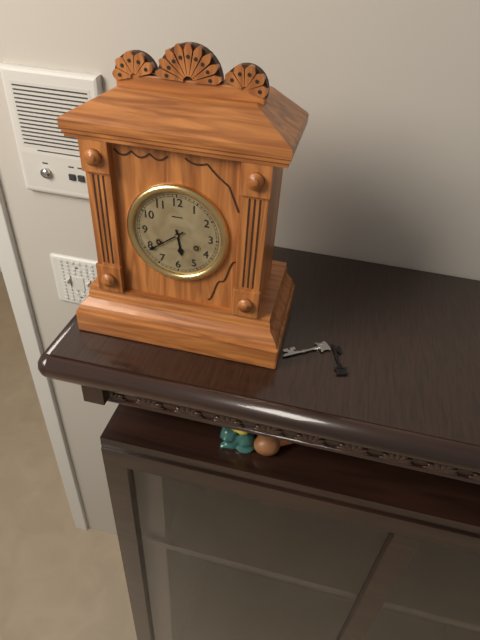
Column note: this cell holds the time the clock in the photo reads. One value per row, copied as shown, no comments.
5:39
